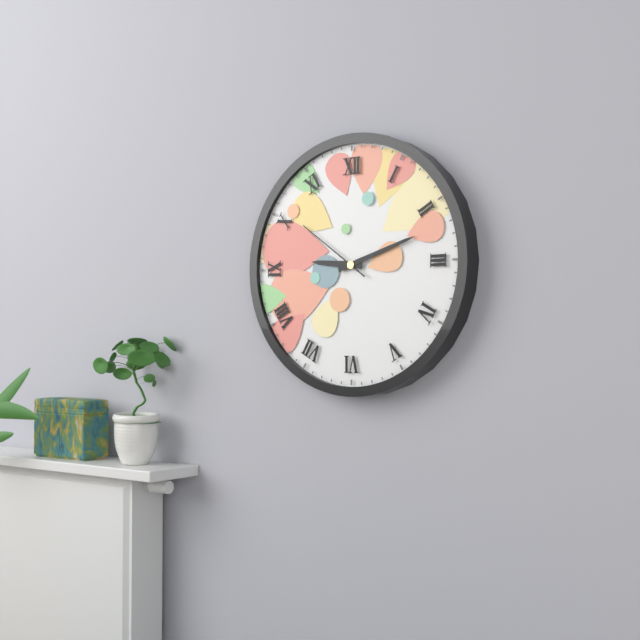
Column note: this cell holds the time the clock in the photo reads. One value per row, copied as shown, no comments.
9:12:51
